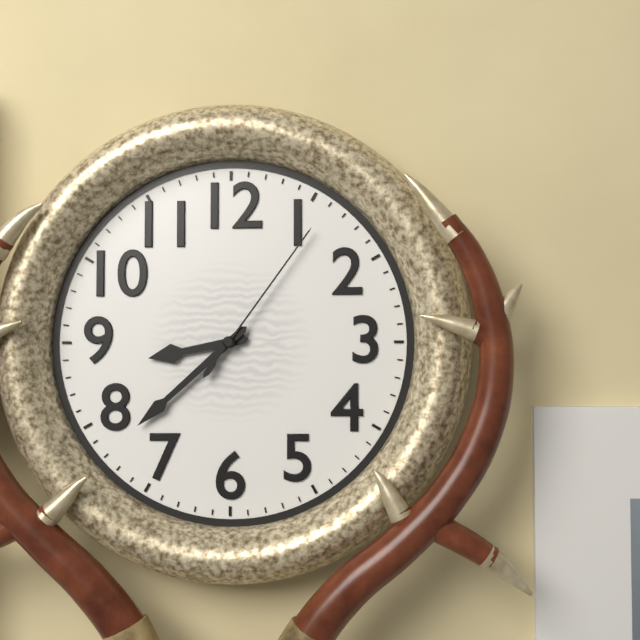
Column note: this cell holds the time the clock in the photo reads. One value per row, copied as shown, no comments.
8:38:06
